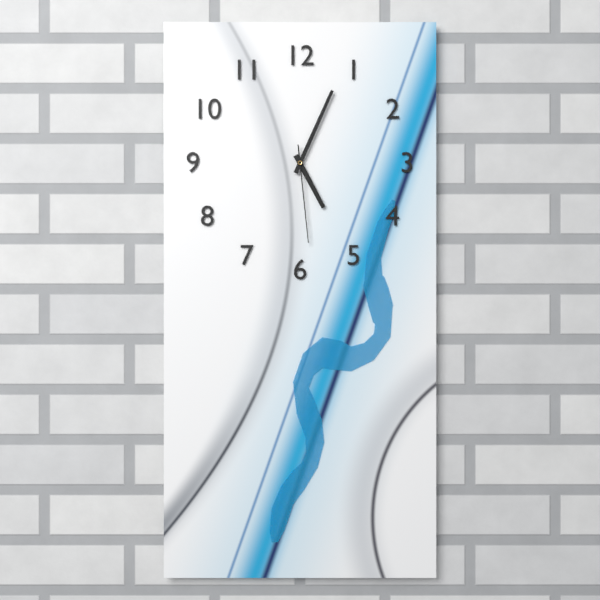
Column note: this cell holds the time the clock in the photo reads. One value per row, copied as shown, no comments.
5:04:29
